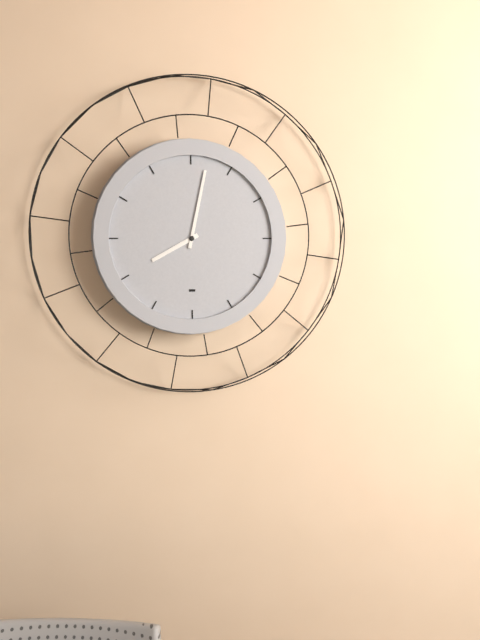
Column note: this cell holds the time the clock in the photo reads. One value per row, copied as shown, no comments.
8:02
